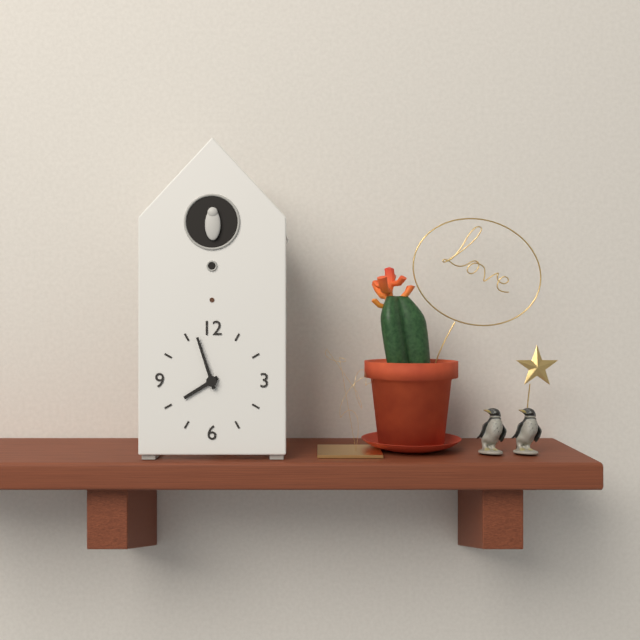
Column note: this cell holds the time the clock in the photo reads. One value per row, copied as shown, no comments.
7:57
